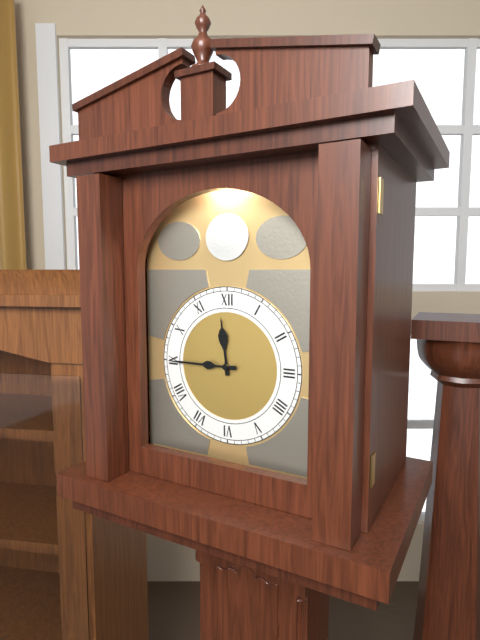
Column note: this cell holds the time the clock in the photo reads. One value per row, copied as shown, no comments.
11:45
